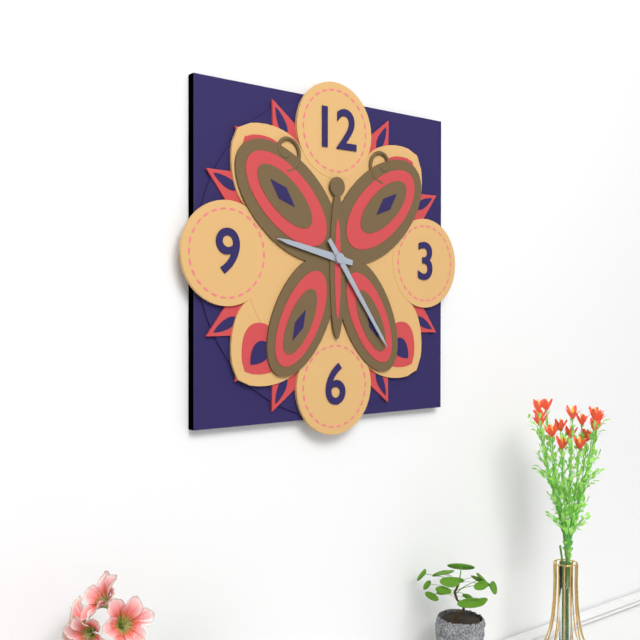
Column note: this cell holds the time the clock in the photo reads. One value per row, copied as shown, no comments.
9:24
